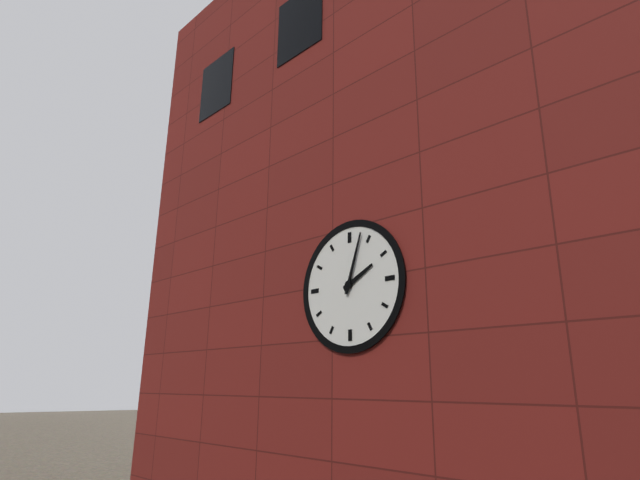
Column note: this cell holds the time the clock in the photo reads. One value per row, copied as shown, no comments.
2:03
